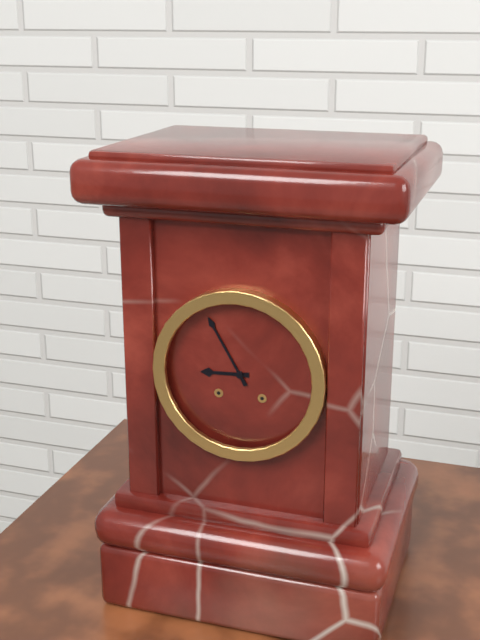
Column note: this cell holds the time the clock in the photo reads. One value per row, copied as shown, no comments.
8:55
